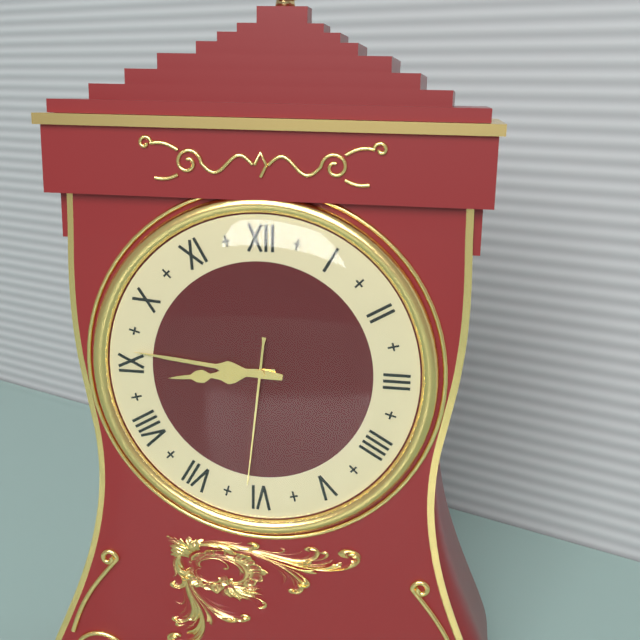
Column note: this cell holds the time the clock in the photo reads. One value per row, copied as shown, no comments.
8:46:31
